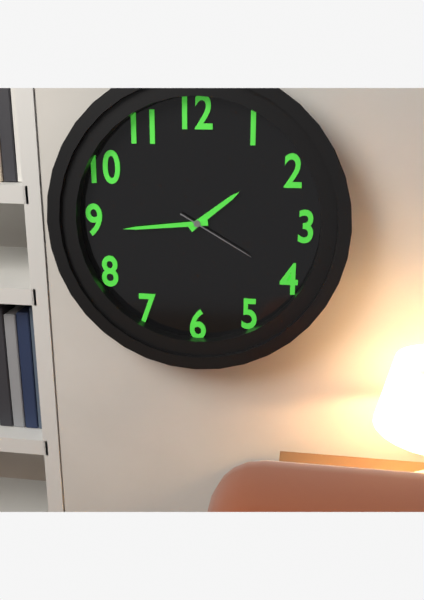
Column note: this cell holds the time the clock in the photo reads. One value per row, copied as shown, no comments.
1:44:20
